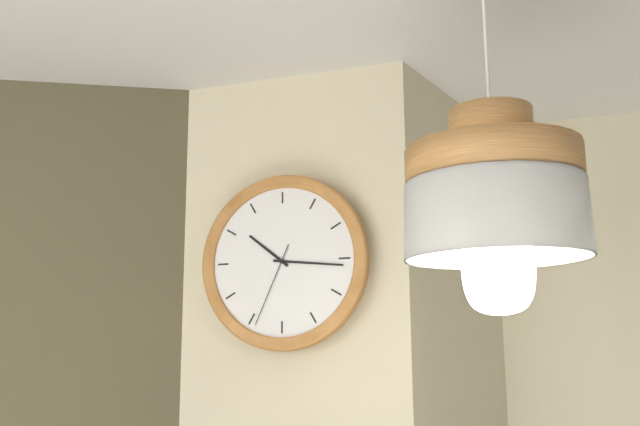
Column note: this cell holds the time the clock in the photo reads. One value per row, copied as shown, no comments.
10:16:34
